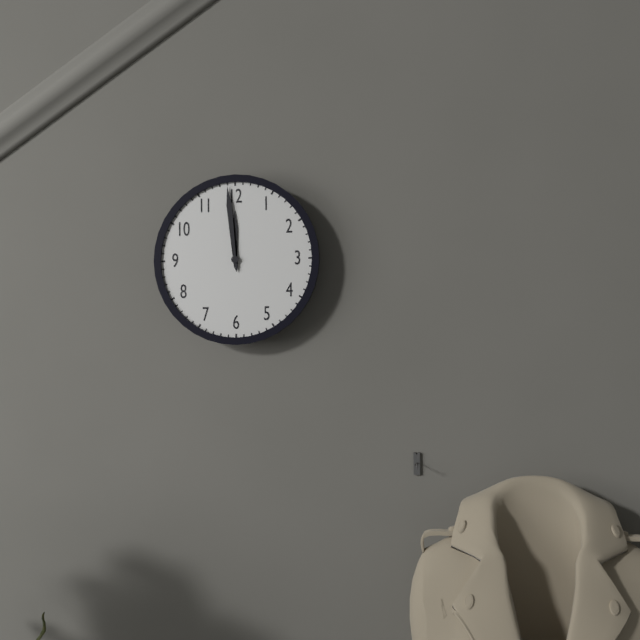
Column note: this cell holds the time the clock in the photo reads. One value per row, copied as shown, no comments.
11:59
